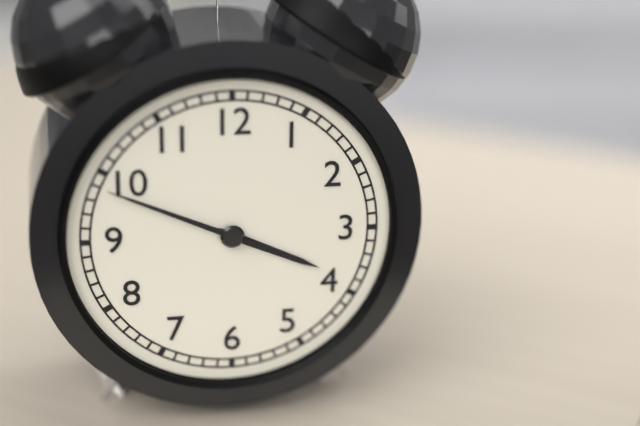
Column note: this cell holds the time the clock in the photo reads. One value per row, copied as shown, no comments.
3:49
